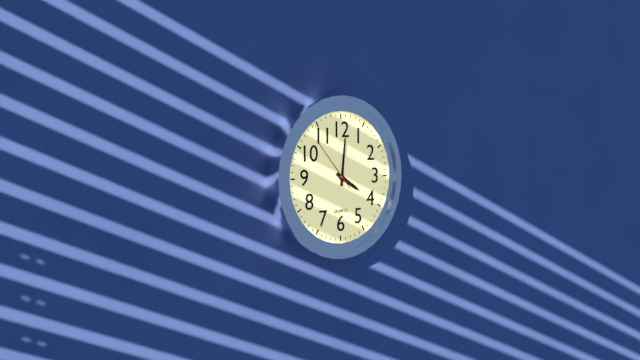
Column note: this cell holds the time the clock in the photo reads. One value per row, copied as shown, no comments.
4:01
